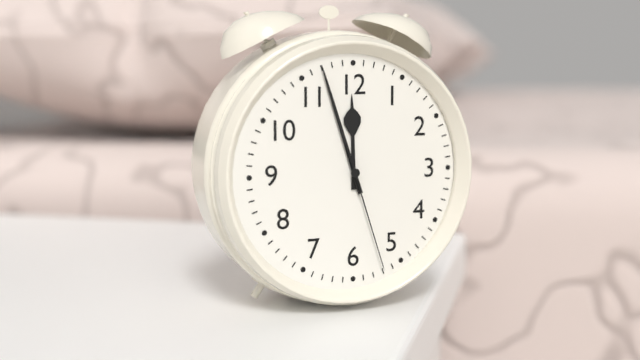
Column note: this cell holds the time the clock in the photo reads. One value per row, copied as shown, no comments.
11:57:27
